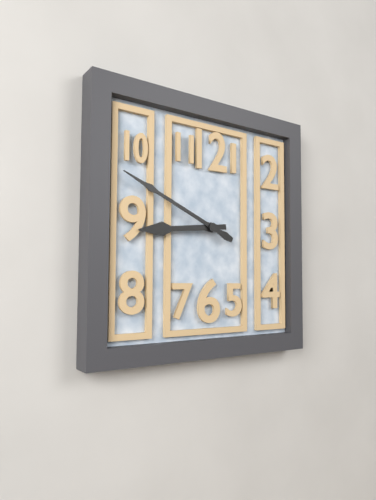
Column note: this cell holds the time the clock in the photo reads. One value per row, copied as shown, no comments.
8:49
